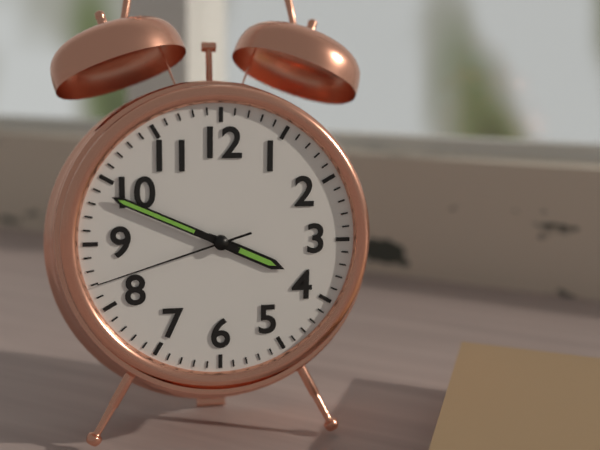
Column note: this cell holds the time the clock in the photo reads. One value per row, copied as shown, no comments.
3:49:42
